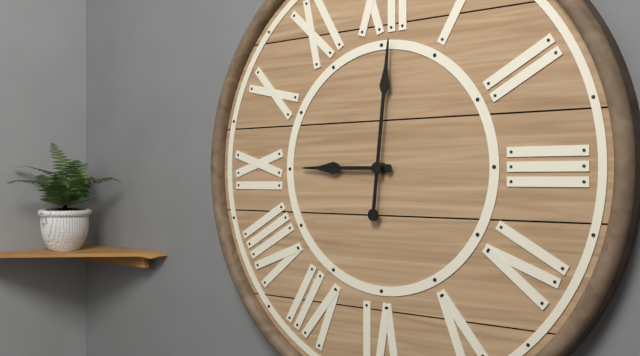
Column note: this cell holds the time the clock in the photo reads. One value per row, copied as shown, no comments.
9:01
